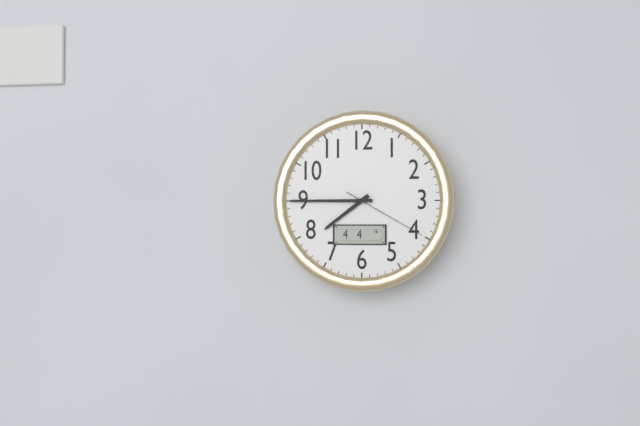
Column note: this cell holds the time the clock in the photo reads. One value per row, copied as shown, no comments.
7:45:20
